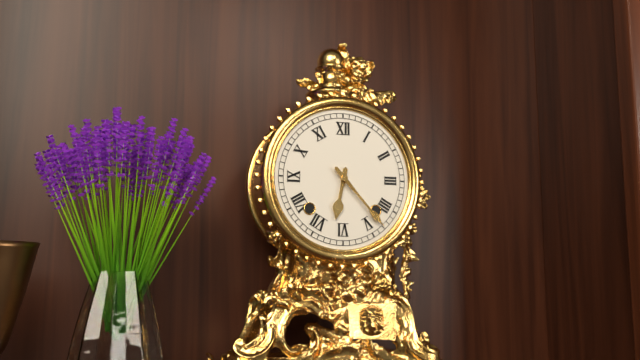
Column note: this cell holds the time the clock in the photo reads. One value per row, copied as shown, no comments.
6:23
